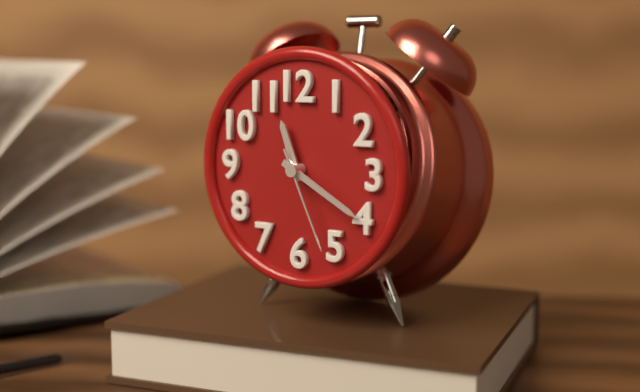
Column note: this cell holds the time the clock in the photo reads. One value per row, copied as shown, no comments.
11:20:26
